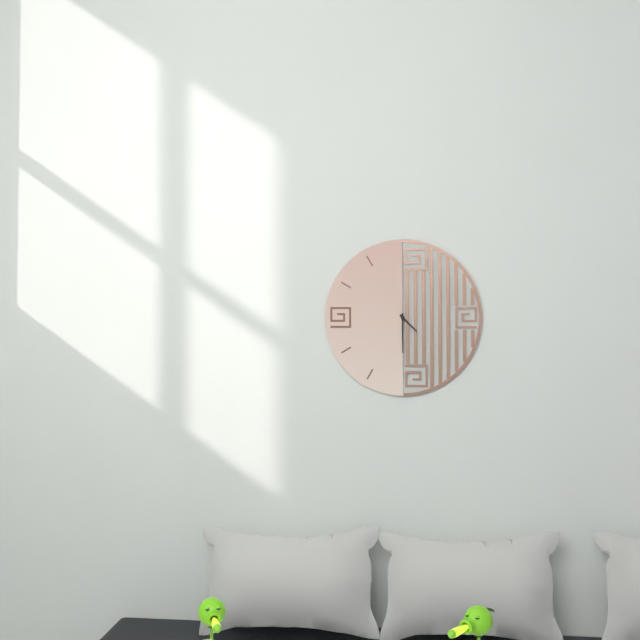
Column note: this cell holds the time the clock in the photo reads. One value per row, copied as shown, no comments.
4:30
